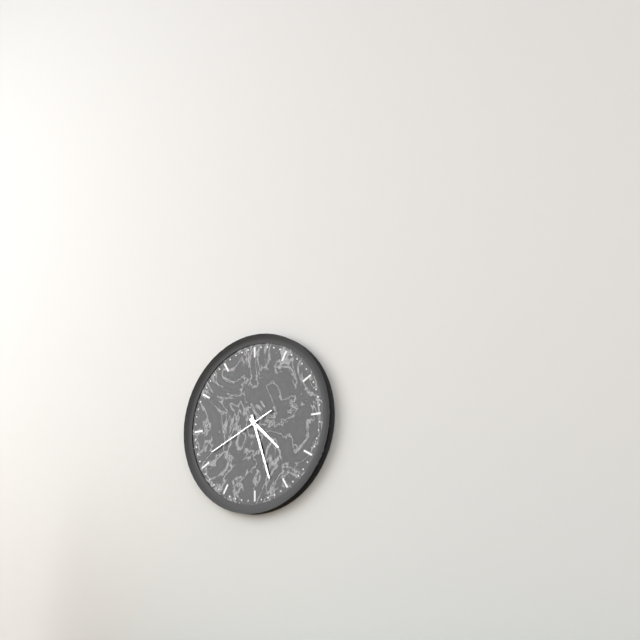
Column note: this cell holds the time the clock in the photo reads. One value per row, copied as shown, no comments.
4:27:41
